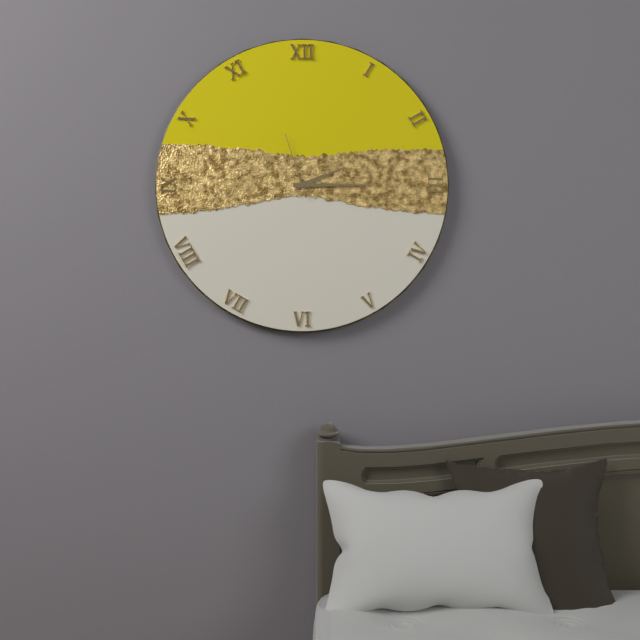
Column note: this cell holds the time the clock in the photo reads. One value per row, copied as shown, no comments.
2:15:57
